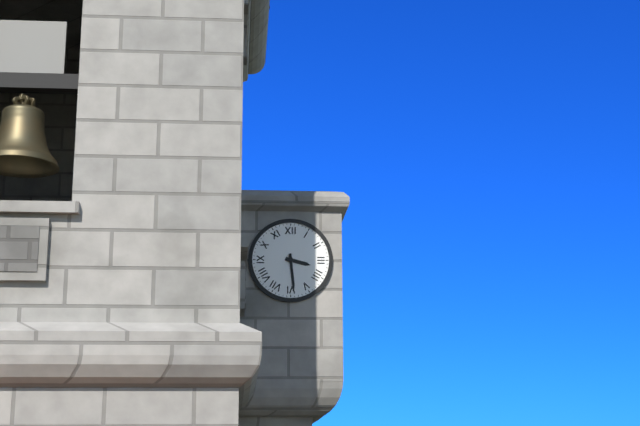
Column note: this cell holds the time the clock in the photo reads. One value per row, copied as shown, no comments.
3:29
